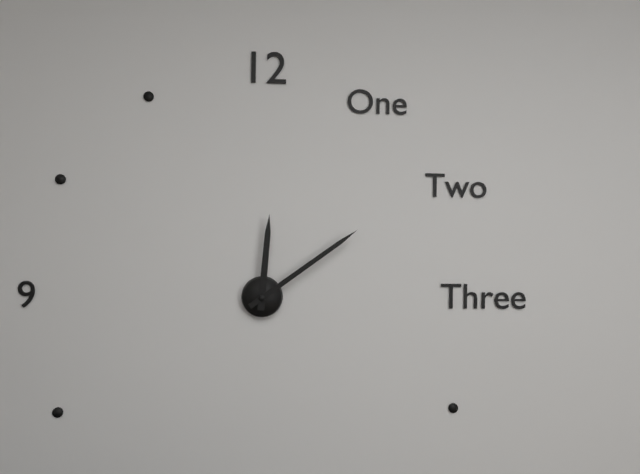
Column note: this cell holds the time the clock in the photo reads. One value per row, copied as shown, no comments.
12:09
